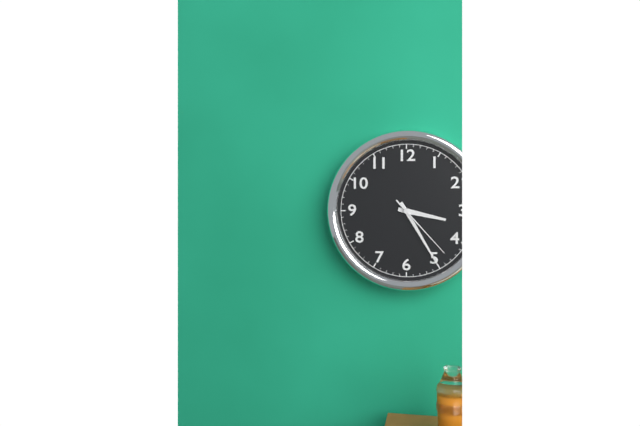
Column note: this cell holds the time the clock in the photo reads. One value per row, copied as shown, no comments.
3:25:23
